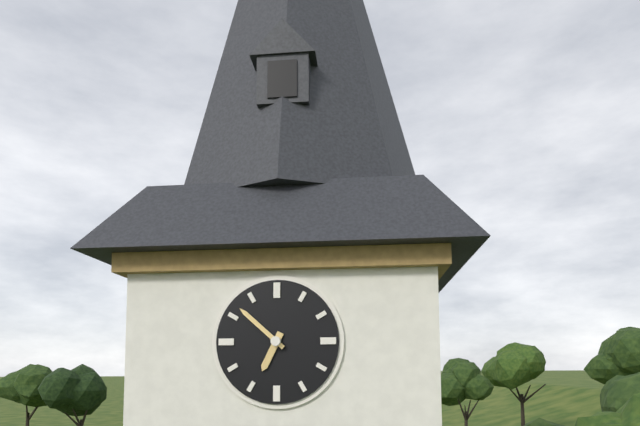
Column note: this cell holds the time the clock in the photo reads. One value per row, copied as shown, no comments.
6:52
